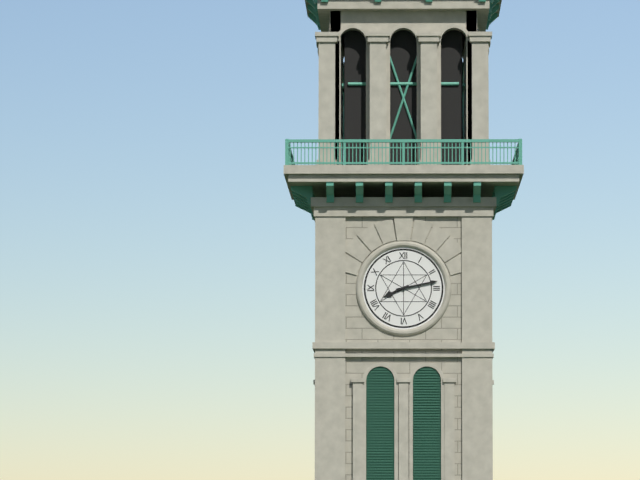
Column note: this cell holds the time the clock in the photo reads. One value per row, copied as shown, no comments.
8:13
